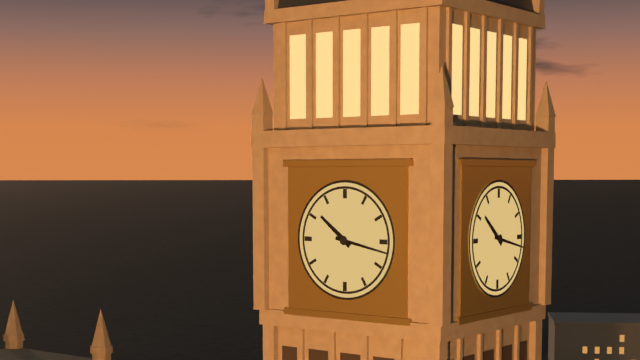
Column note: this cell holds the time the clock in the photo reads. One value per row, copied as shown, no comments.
10:17
